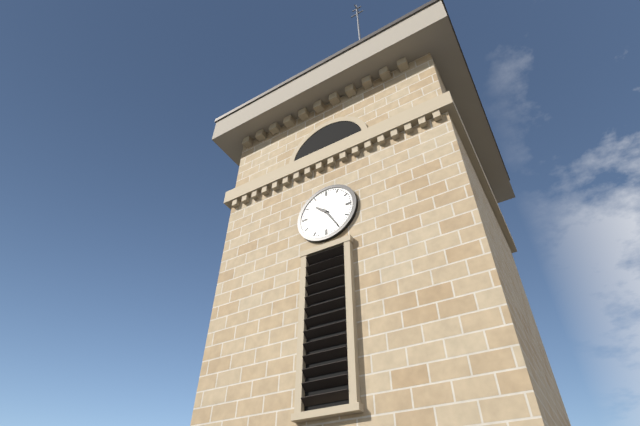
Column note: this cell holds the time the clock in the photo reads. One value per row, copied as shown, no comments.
10:25
